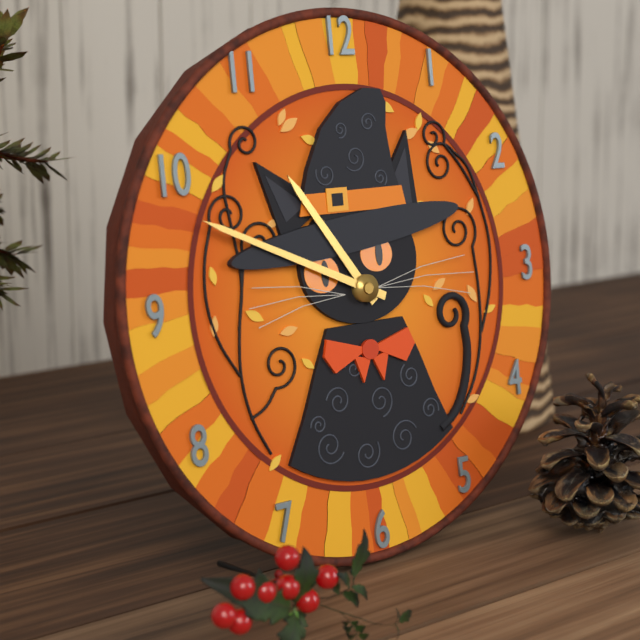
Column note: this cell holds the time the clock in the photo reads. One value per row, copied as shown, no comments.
10:49
